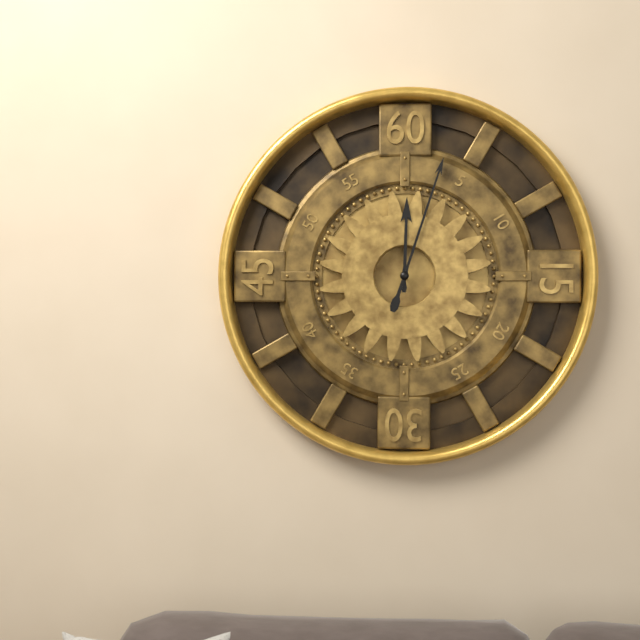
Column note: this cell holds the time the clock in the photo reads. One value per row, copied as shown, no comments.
12:03
